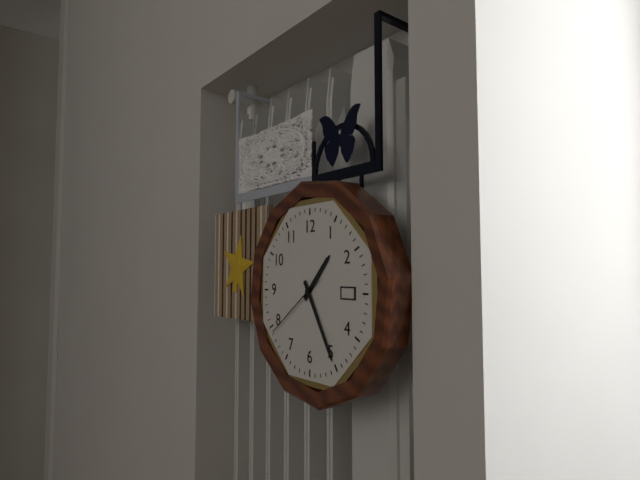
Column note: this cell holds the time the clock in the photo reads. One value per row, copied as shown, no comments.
1:25:39
